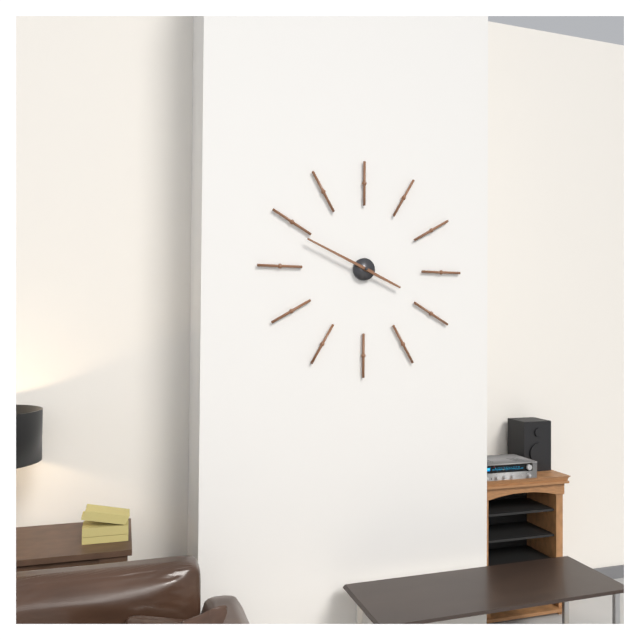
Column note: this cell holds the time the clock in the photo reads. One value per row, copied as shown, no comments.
3:49
